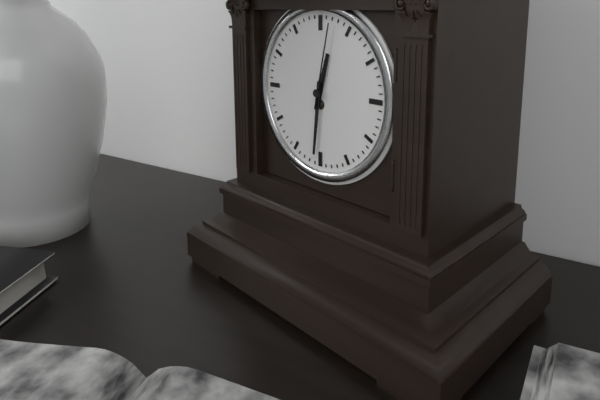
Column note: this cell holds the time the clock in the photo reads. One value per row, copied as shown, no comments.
12:31:02
